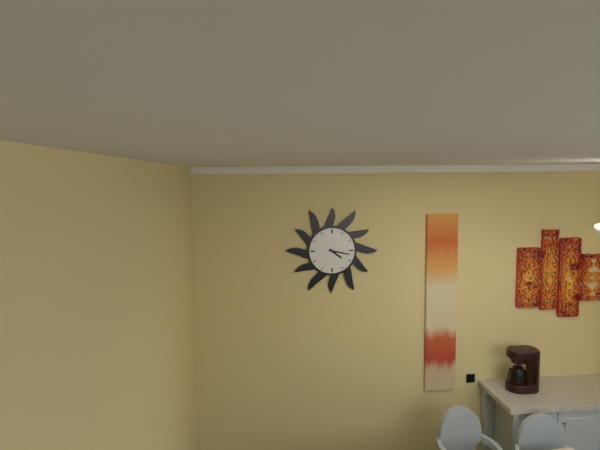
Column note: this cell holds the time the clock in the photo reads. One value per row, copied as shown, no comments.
4:17
